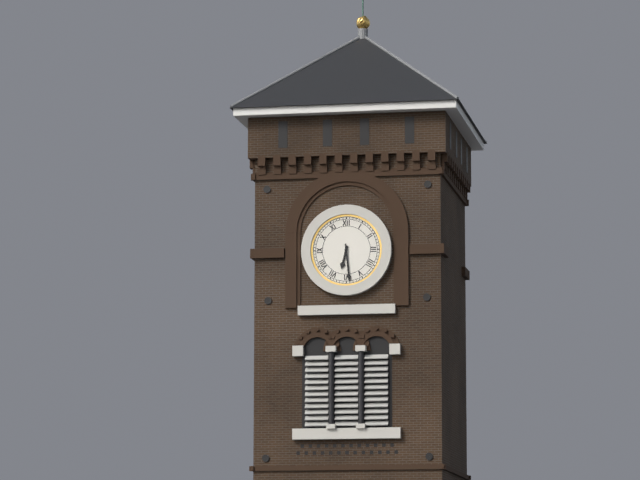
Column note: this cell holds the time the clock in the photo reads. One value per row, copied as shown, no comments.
6:29
